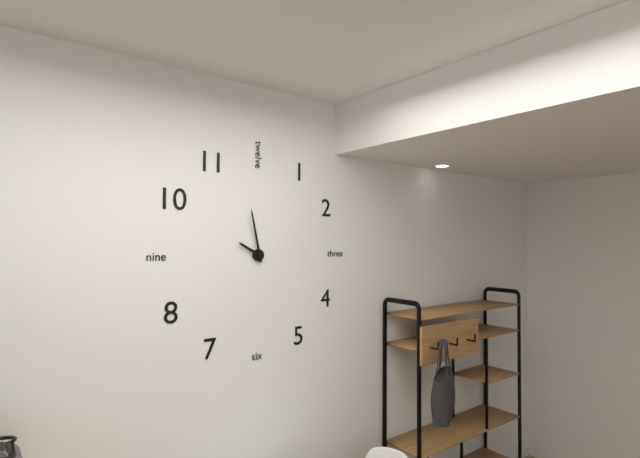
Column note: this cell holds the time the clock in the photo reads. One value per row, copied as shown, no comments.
9:58
